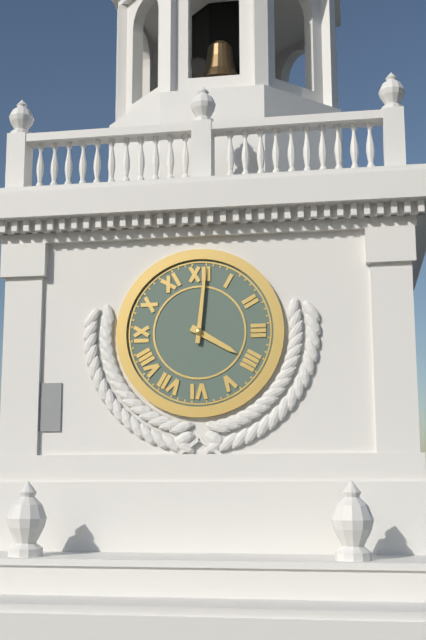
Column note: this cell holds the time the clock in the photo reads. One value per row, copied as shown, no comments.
4:01
